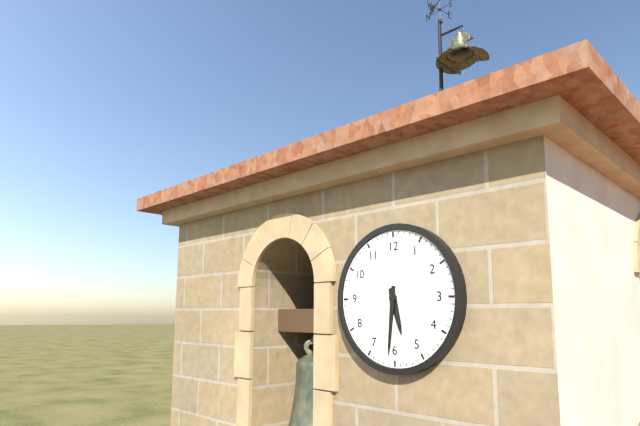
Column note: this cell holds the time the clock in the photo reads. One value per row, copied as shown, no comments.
5:31
